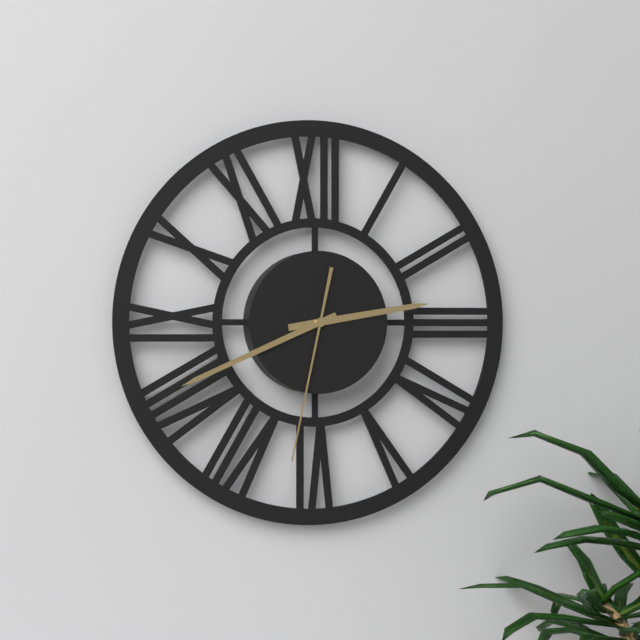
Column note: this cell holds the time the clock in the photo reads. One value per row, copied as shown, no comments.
2:41:32
